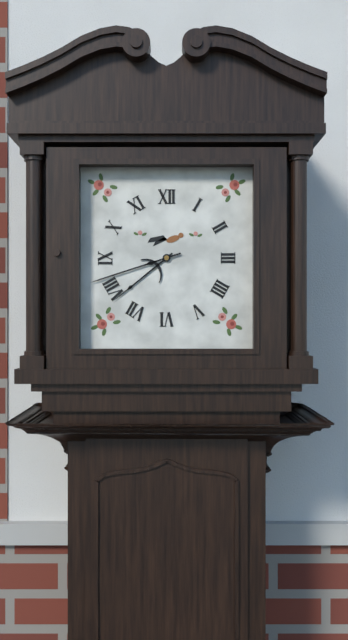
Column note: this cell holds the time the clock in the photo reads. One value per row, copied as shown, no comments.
7:42
